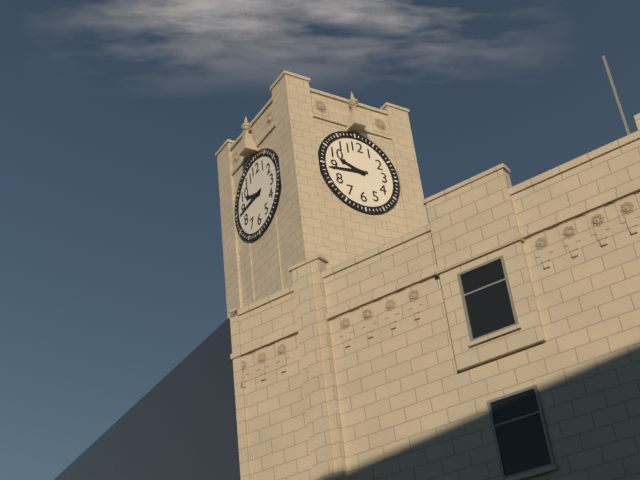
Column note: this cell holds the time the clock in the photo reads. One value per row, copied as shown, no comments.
9:44
